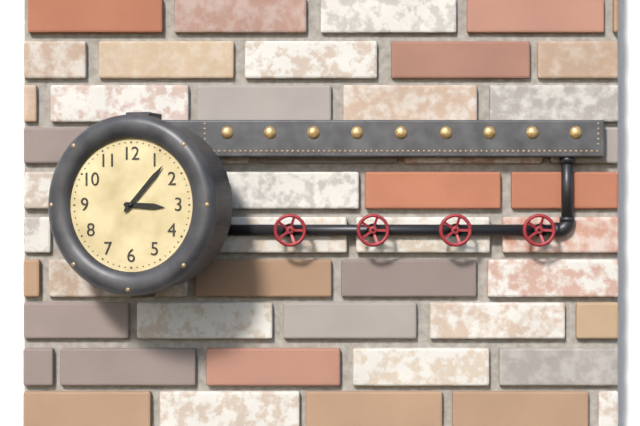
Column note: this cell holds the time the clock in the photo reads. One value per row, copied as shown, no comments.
3:07
